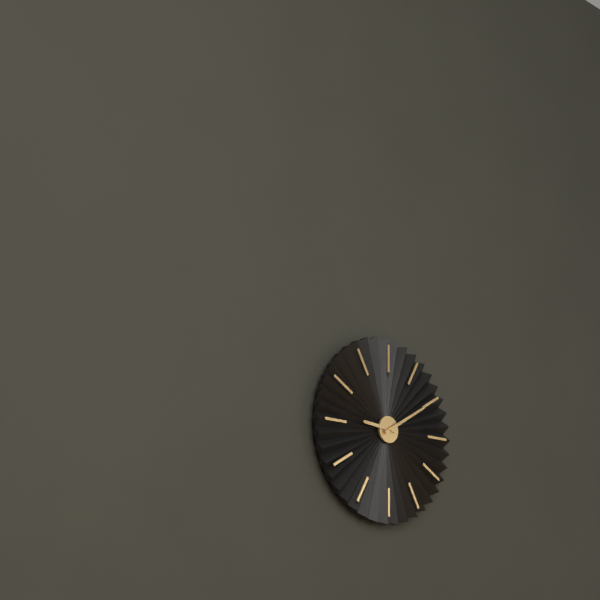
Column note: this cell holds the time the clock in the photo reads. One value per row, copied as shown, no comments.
9:10
